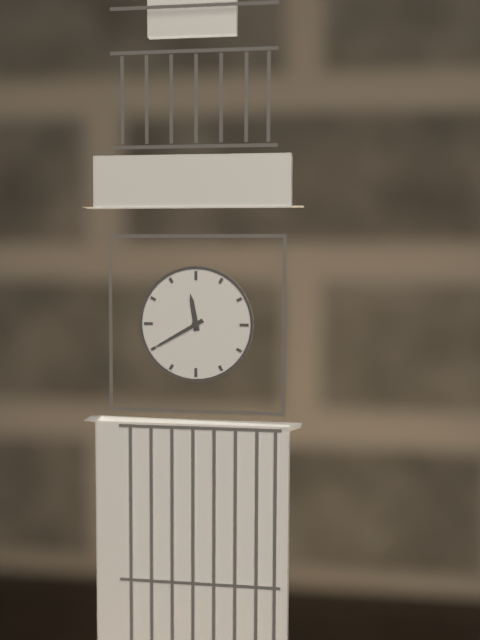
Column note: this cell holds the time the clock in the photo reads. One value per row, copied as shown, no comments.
11:40
